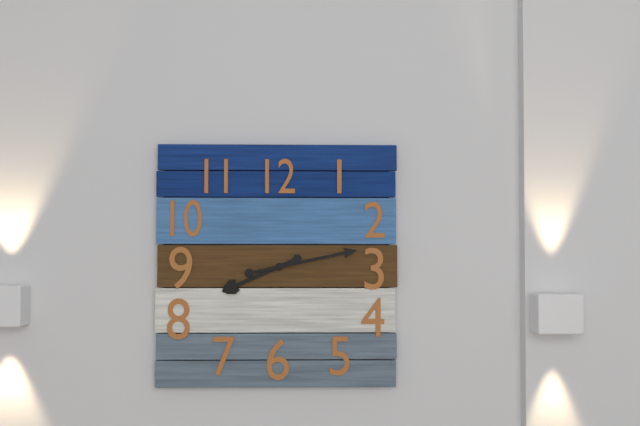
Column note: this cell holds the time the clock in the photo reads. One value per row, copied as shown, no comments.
8:13
